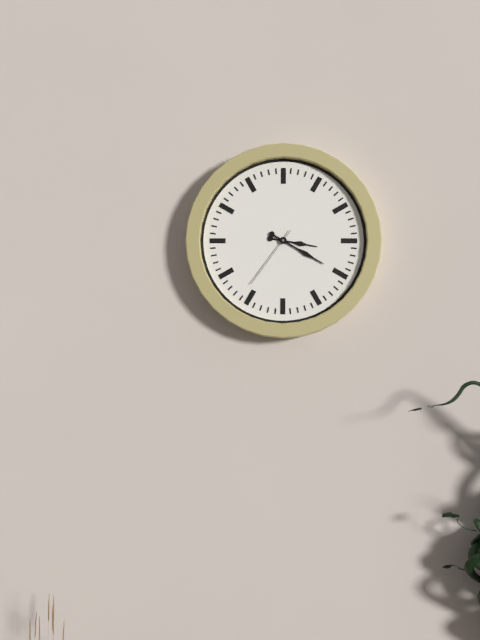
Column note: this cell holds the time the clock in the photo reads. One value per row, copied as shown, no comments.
3:20:36
